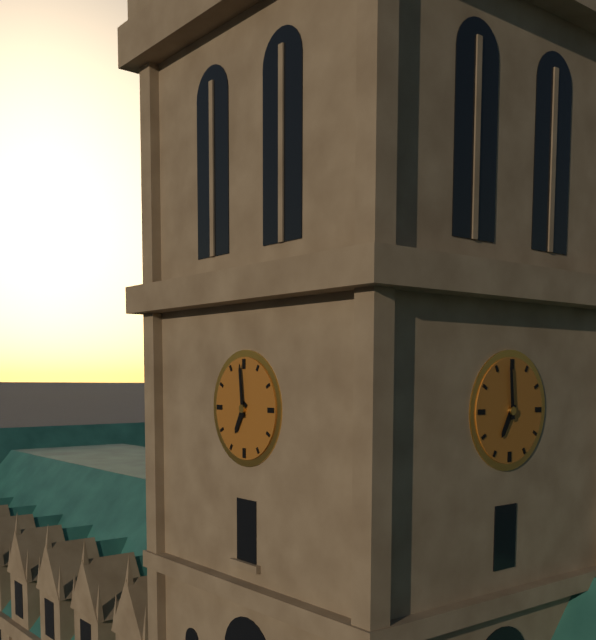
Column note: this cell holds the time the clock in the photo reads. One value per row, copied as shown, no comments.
6:59
